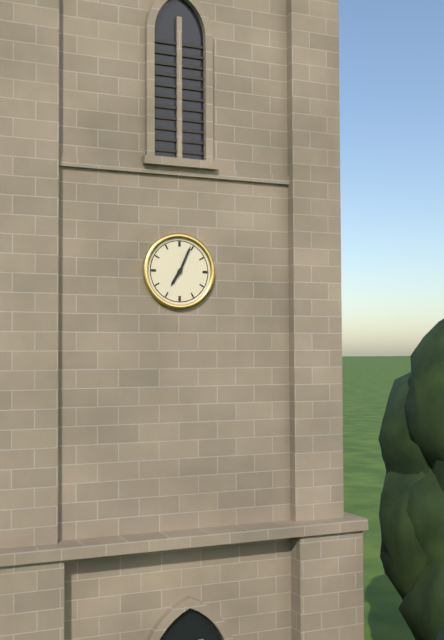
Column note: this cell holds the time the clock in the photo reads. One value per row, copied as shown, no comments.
7:04
